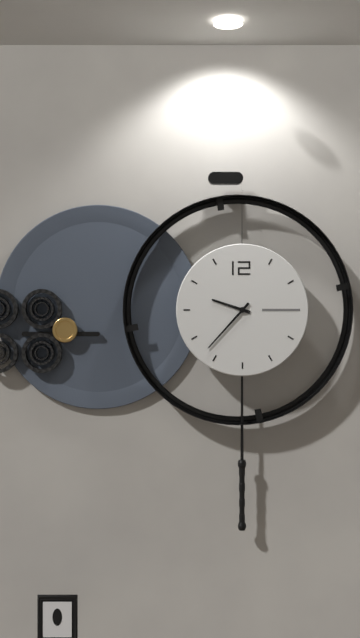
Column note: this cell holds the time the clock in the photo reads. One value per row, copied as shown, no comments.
9:37
